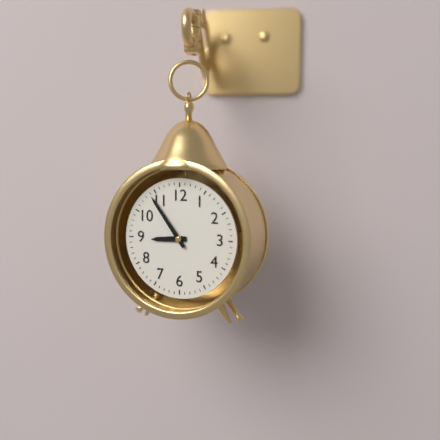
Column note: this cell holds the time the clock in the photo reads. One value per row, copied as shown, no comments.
8:54
